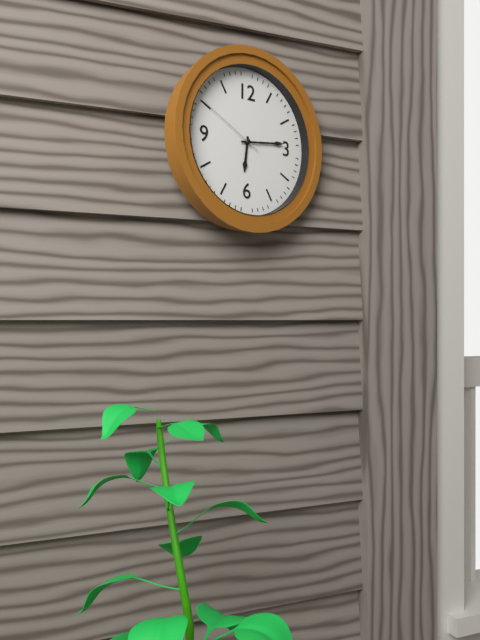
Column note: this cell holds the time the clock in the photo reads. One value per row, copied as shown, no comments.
6:14:50
